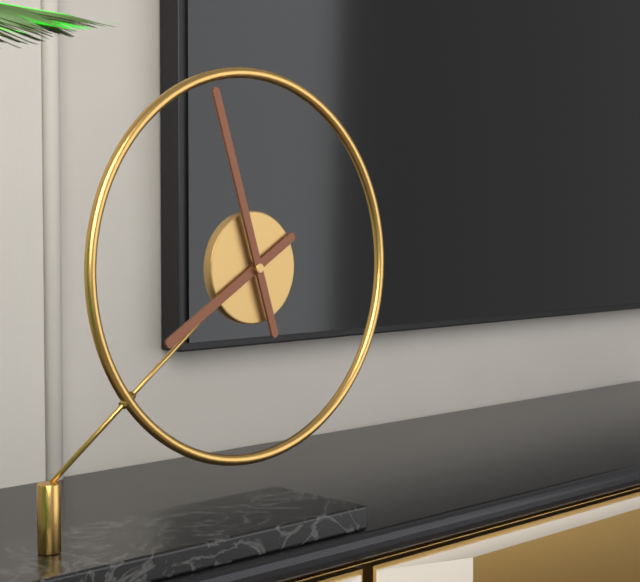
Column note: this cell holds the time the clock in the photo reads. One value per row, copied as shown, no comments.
7:57
